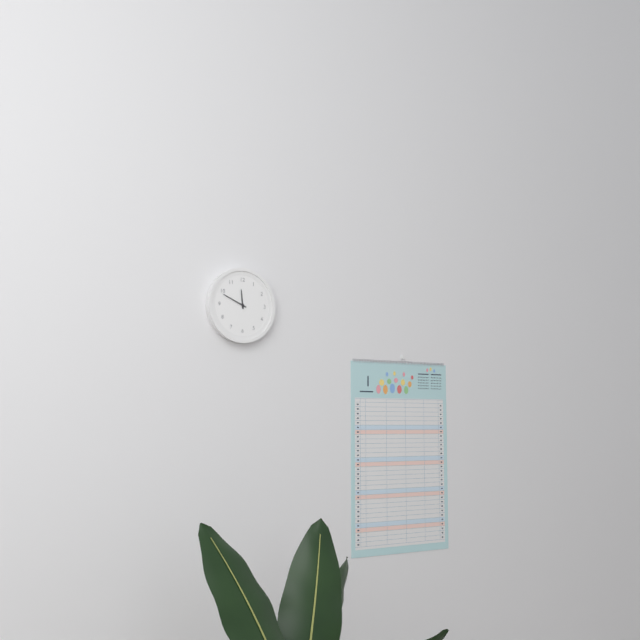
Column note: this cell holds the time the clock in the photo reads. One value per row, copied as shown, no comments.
11:49
